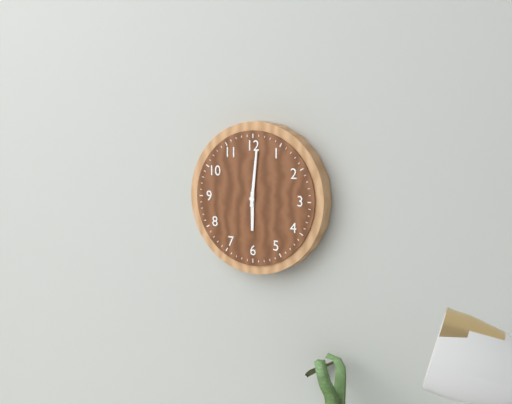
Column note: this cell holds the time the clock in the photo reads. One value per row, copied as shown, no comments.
6:01
